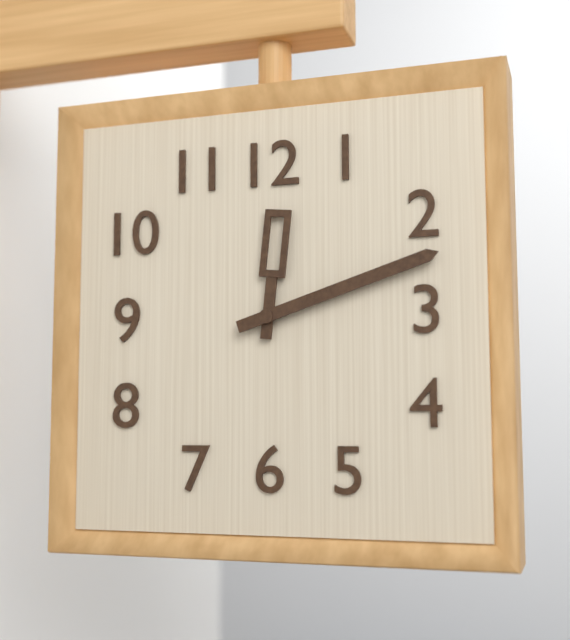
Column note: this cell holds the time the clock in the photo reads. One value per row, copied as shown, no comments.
12:12
